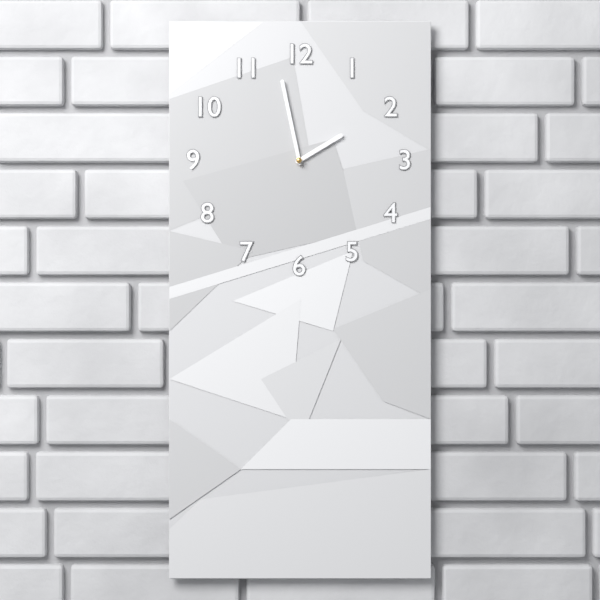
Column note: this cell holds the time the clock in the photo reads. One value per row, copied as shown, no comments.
1:58
